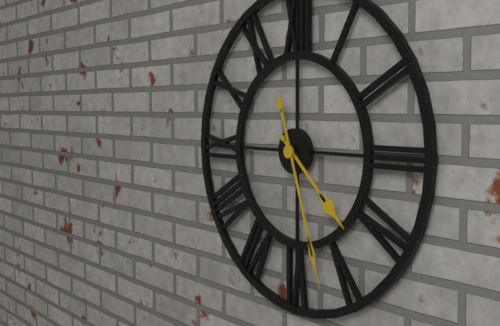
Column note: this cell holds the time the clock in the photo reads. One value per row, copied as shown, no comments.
4:27
